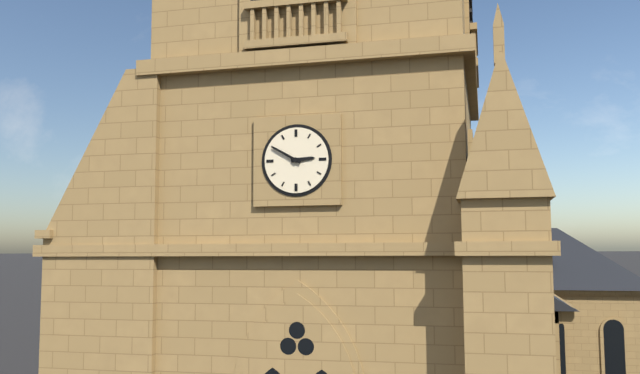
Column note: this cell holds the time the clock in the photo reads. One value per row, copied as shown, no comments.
2:50
